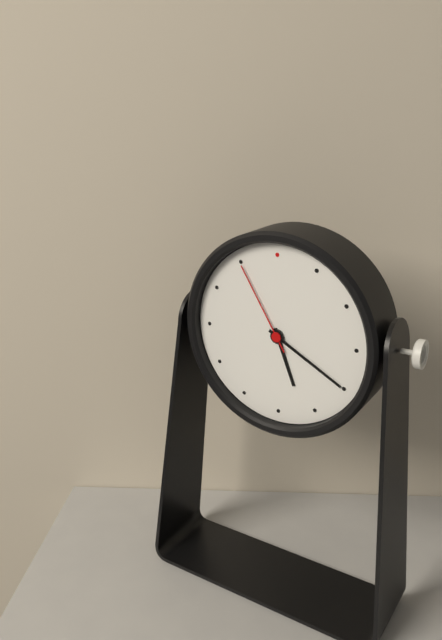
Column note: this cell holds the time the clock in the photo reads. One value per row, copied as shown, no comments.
5:20:55
